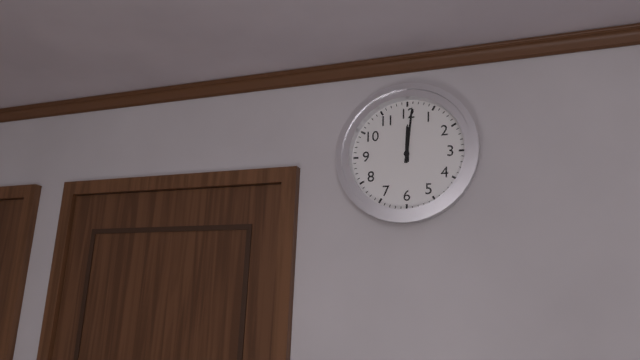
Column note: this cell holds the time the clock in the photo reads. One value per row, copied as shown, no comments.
12:01
